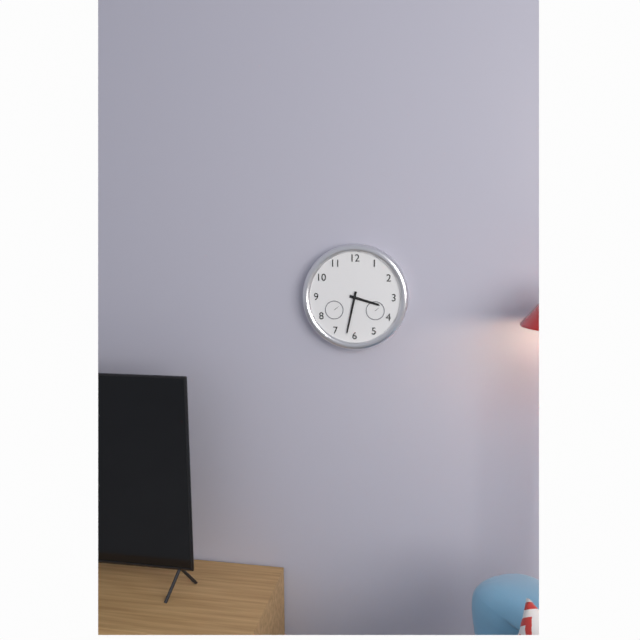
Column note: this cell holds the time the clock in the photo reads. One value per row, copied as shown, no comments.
3:32
